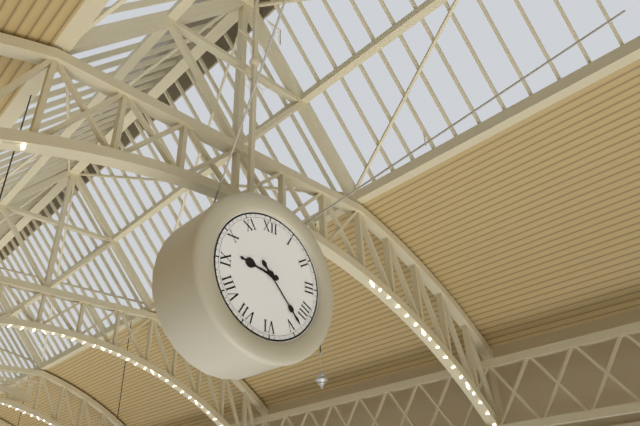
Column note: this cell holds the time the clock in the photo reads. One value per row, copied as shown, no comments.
9:23
